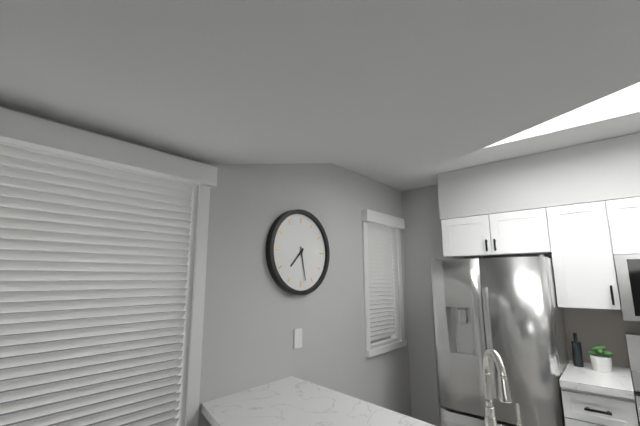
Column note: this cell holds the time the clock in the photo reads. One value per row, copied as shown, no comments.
7:28
